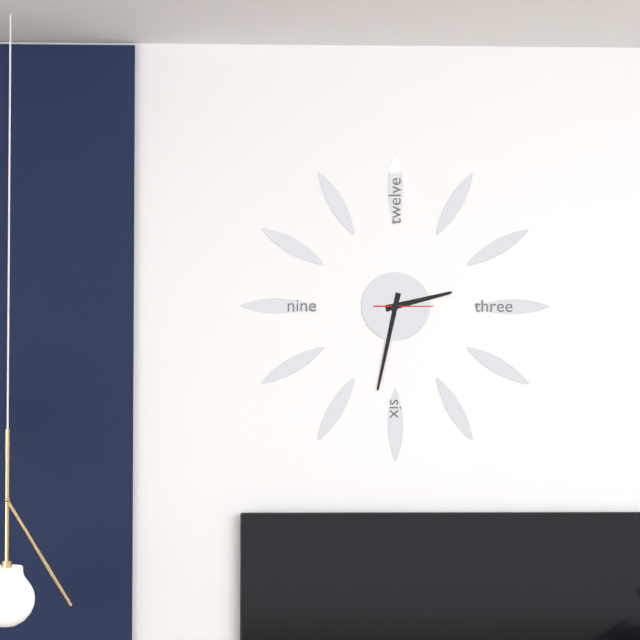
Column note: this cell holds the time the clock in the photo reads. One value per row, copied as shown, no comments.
2:32
